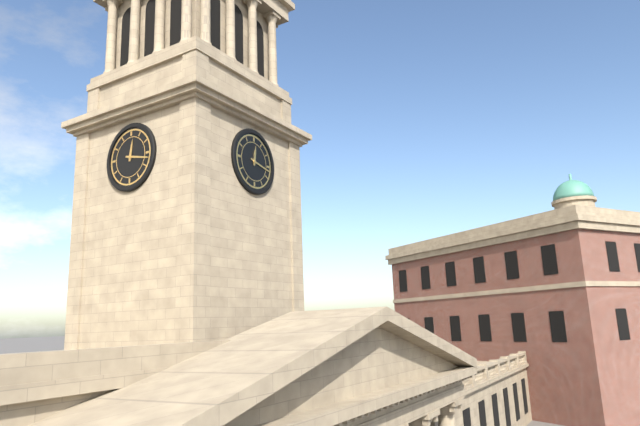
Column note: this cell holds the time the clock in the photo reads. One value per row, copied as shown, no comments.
12:17
